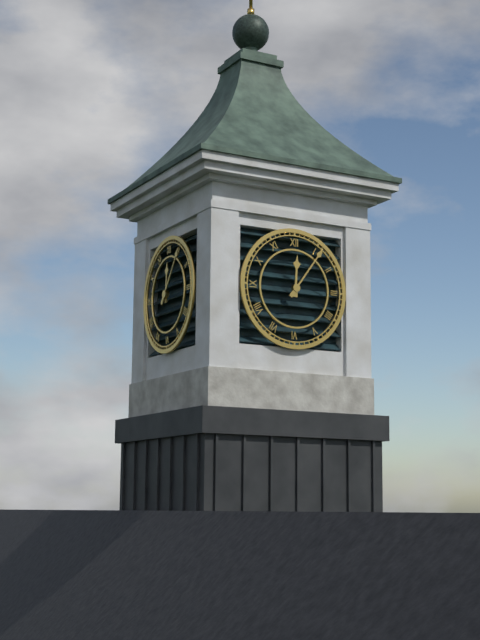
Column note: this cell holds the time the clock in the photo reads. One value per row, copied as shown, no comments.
12:06
